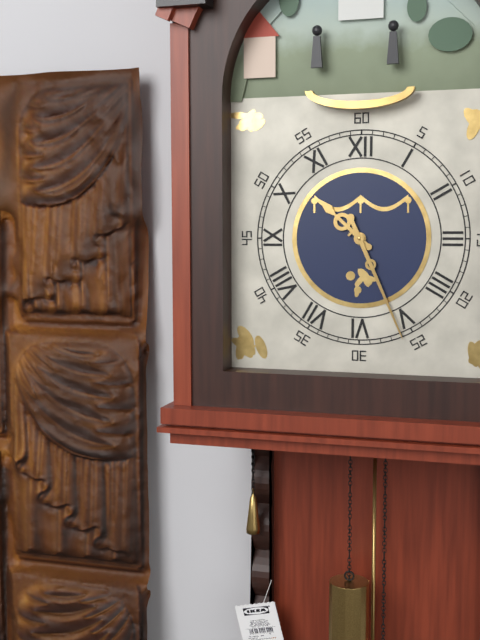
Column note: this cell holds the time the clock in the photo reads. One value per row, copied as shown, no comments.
10:26
